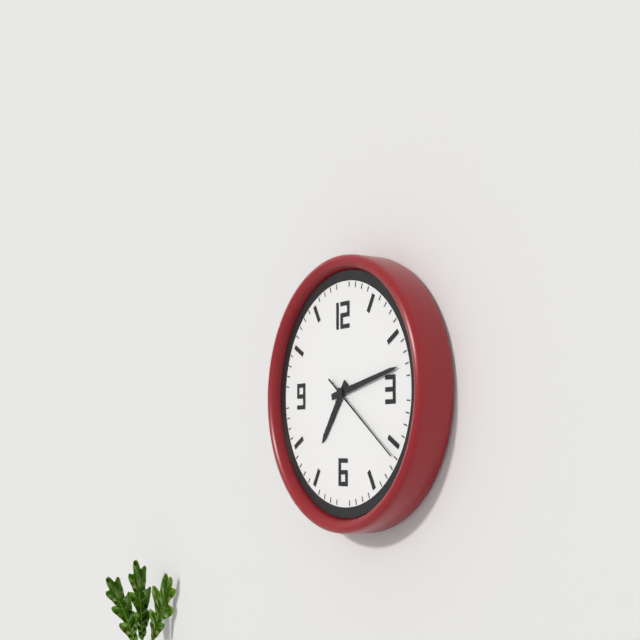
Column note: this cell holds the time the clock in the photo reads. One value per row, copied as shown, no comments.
7:13:21
